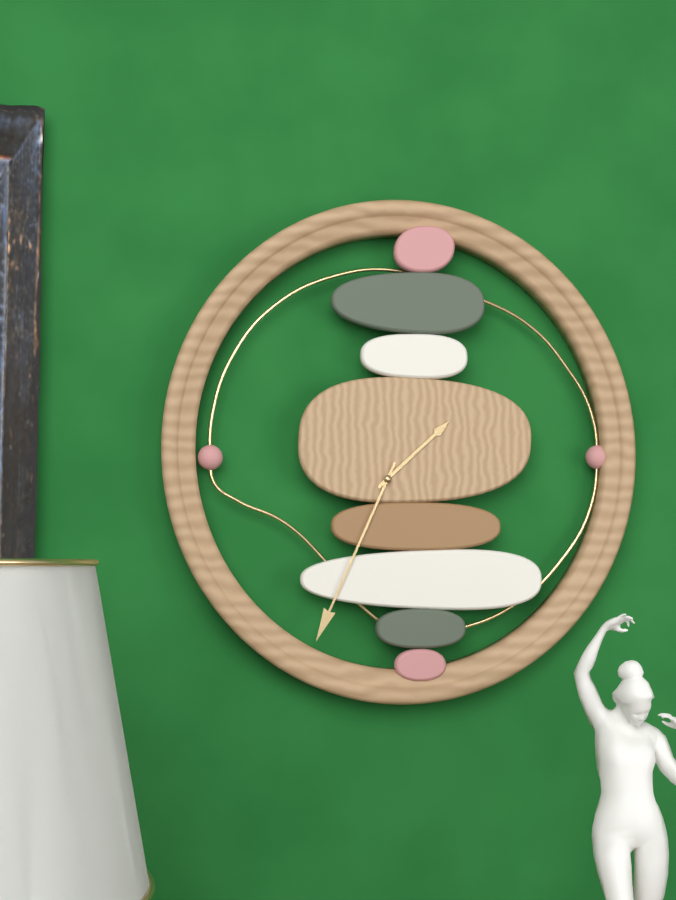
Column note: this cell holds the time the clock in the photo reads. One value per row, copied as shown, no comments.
1:34
